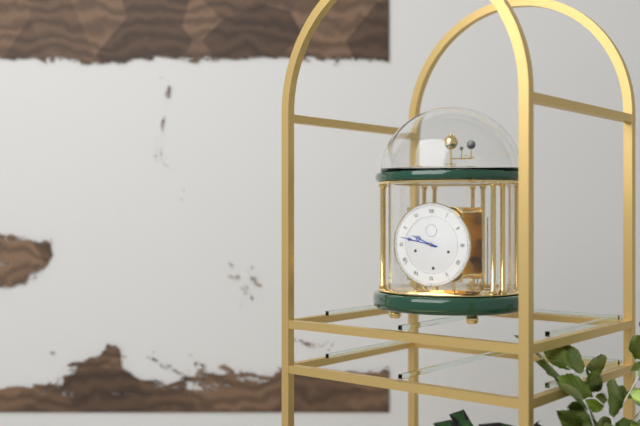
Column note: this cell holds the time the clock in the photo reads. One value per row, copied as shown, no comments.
9:47
